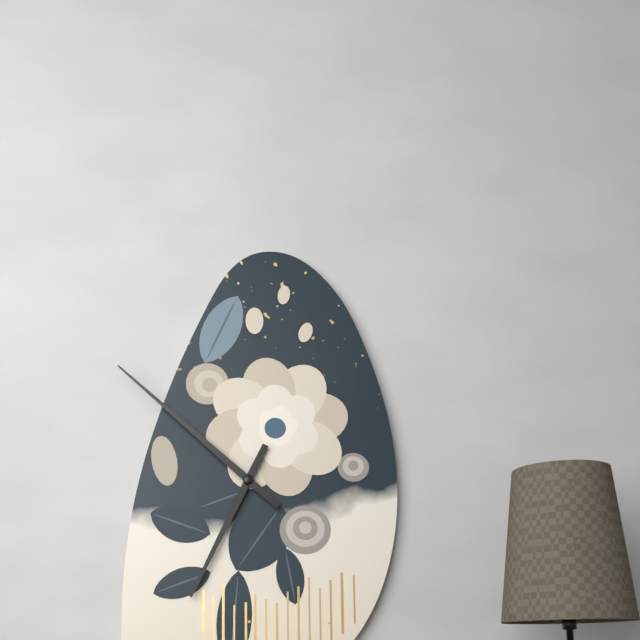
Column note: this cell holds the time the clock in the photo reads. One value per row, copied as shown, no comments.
6:52
